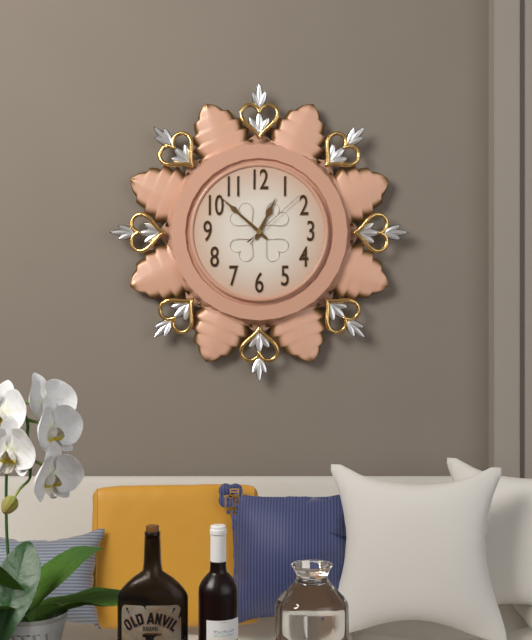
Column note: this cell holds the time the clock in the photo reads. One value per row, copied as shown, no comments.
12:52:08
